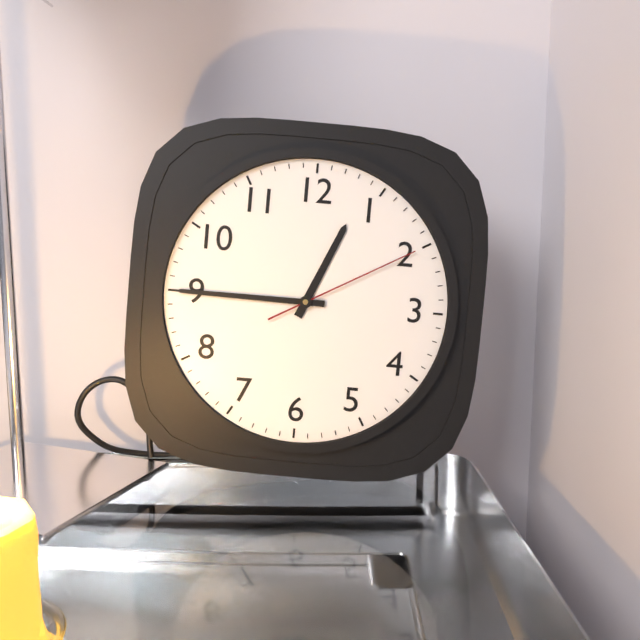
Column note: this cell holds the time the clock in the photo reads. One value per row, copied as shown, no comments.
12:45:10
